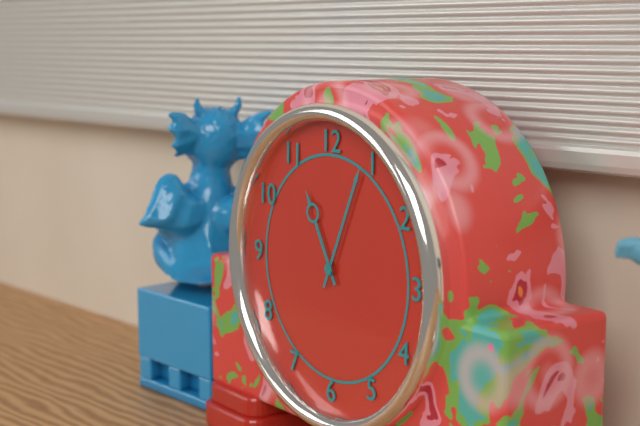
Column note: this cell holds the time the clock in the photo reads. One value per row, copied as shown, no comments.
11:04
